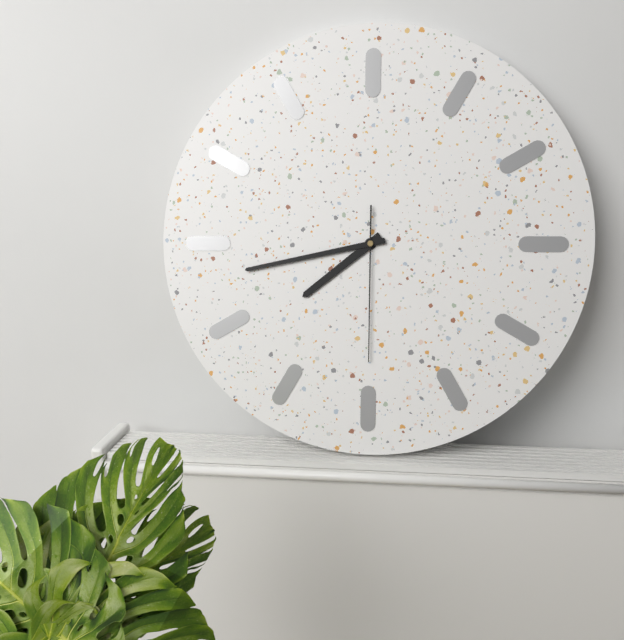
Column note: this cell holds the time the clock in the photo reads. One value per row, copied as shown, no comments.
7:43:30
